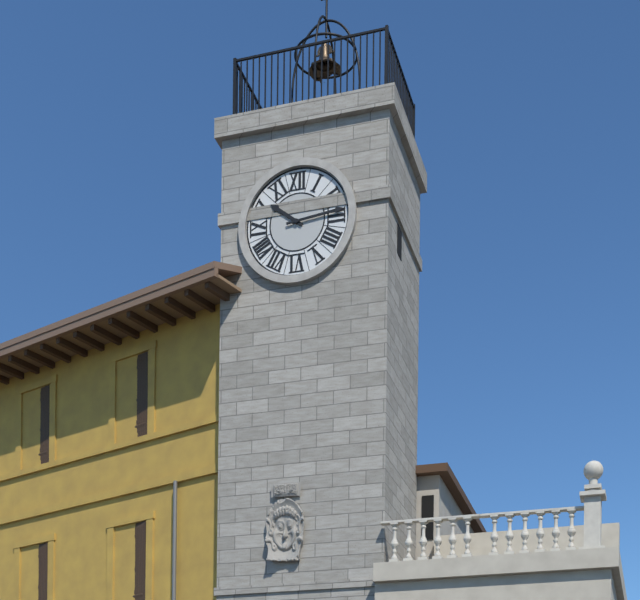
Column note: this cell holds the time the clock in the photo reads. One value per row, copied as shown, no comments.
10:14
